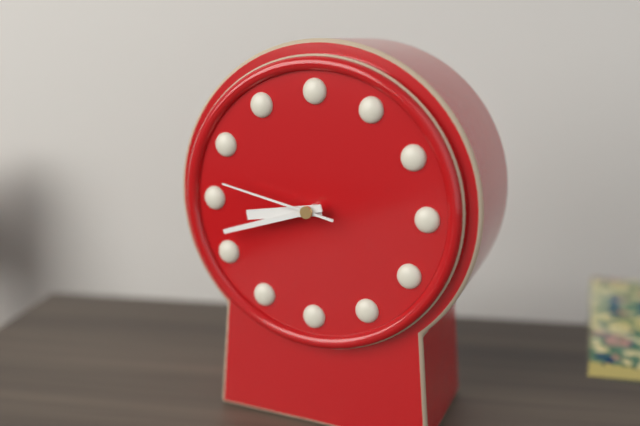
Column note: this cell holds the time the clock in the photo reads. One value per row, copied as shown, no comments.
8:42:47
